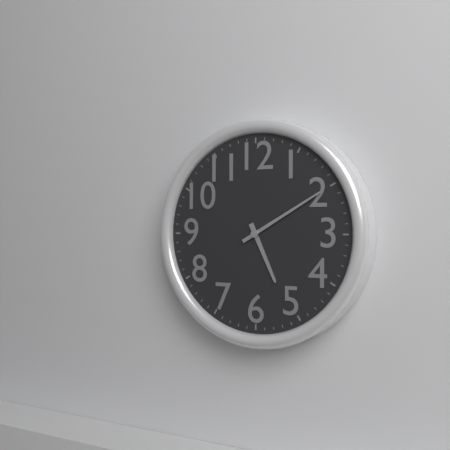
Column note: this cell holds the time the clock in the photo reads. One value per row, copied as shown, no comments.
5:10
